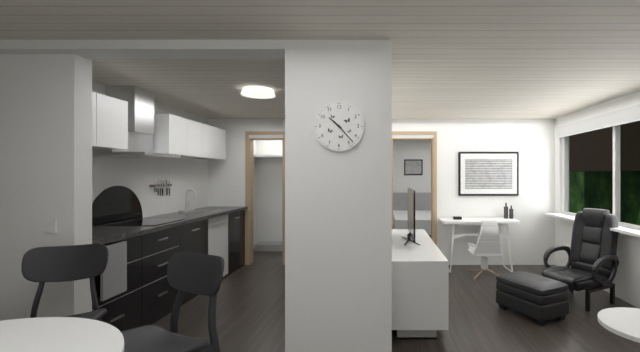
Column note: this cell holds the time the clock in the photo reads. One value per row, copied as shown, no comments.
10:23
